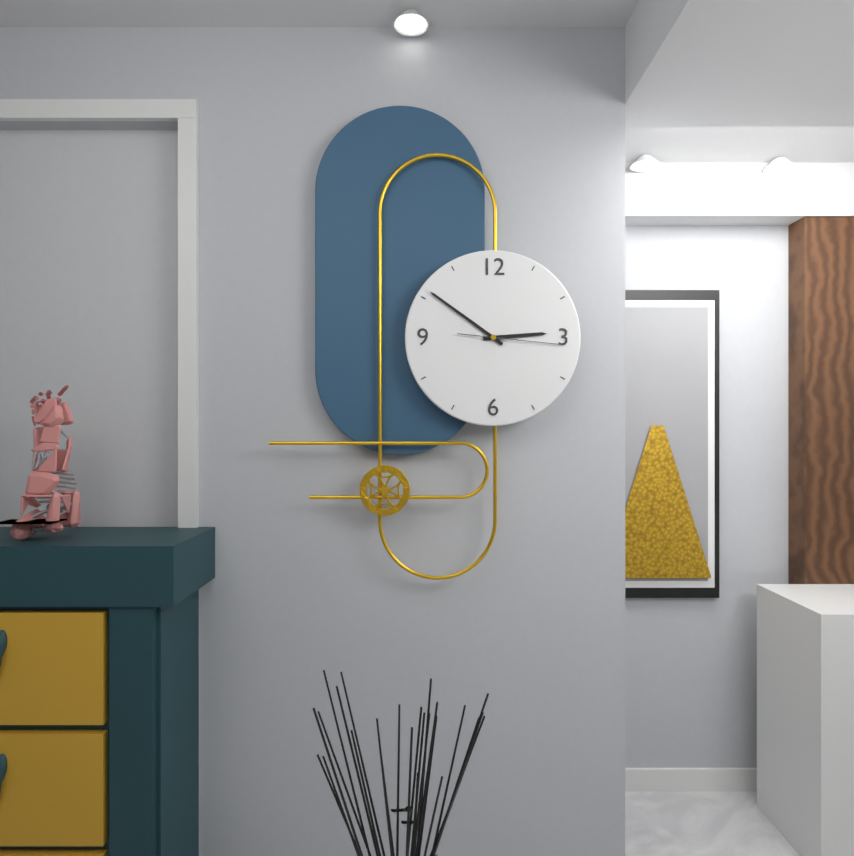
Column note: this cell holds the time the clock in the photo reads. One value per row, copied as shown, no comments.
2:51:16
